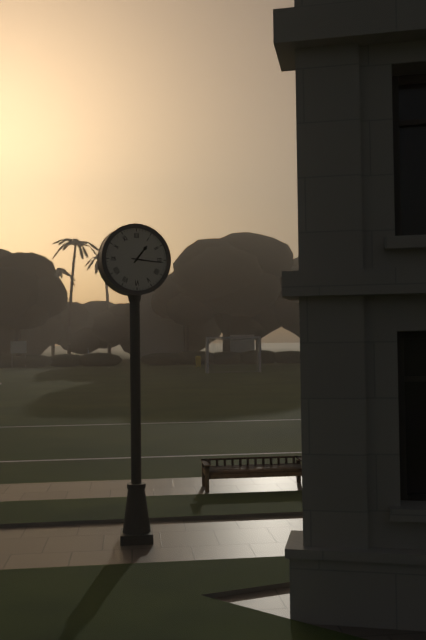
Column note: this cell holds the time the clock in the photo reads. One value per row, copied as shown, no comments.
1:16
